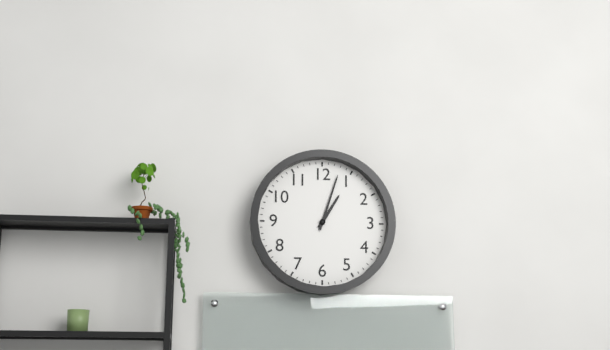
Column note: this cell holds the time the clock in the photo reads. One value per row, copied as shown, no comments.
1:03
